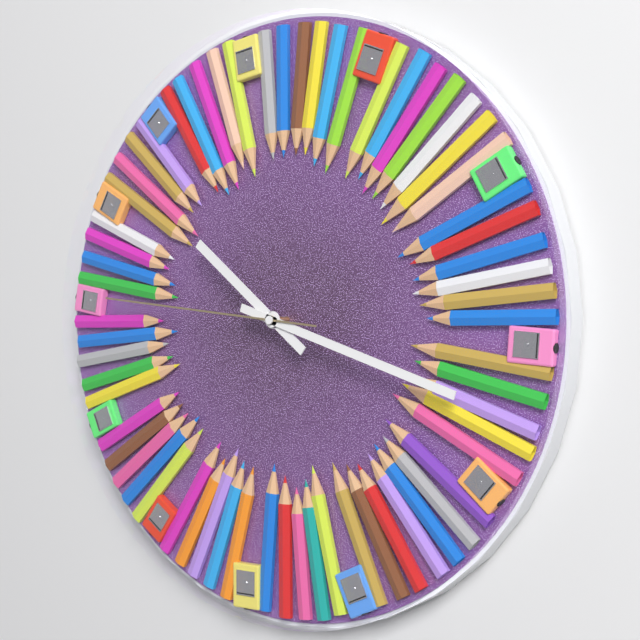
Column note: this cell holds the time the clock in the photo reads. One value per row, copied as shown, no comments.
10:18:46
